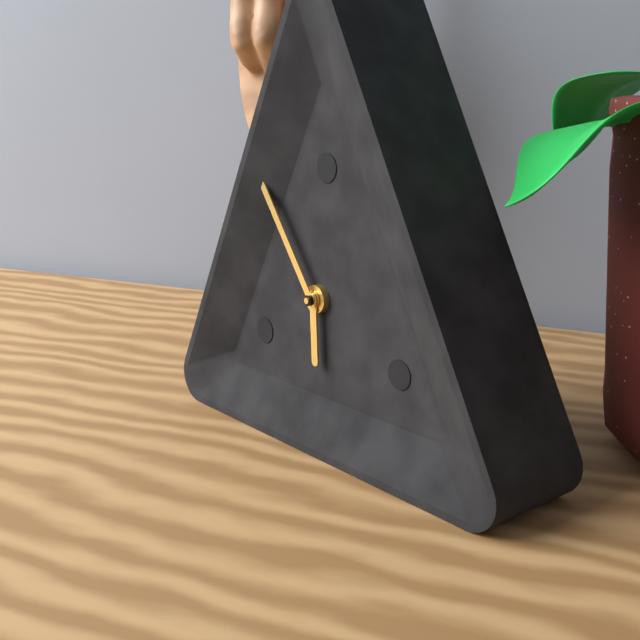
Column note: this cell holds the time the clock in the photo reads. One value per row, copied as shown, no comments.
5:54
